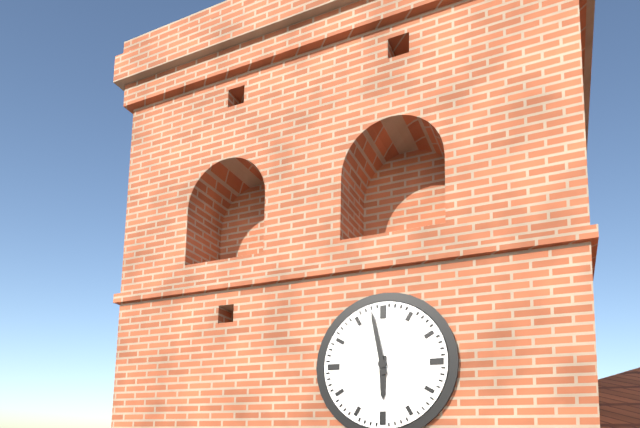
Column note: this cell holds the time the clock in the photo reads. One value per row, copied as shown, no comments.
5:58
